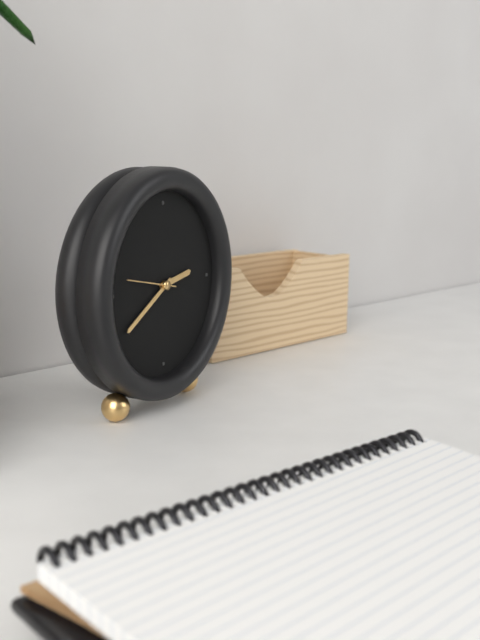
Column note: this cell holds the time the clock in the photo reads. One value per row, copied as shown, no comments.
2:40:47
